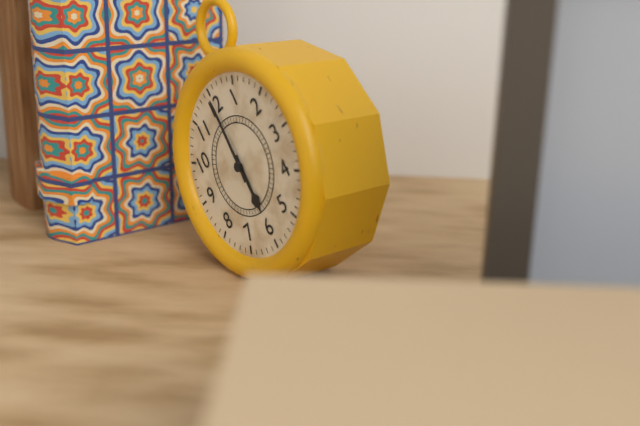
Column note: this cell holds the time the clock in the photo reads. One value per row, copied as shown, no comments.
6:00
